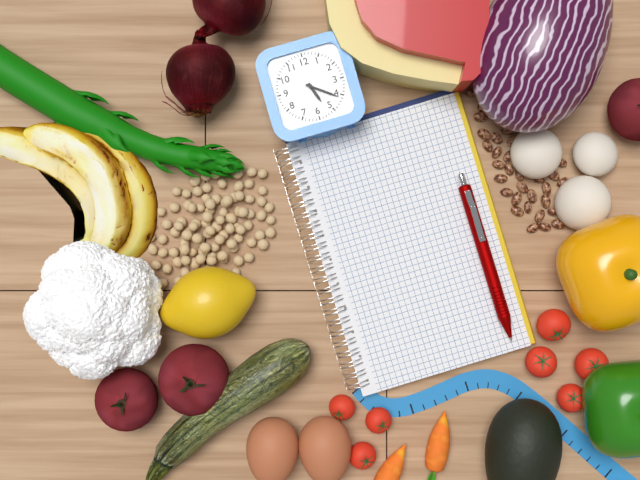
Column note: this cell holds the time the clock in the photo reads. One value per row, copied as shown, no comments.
5:21
